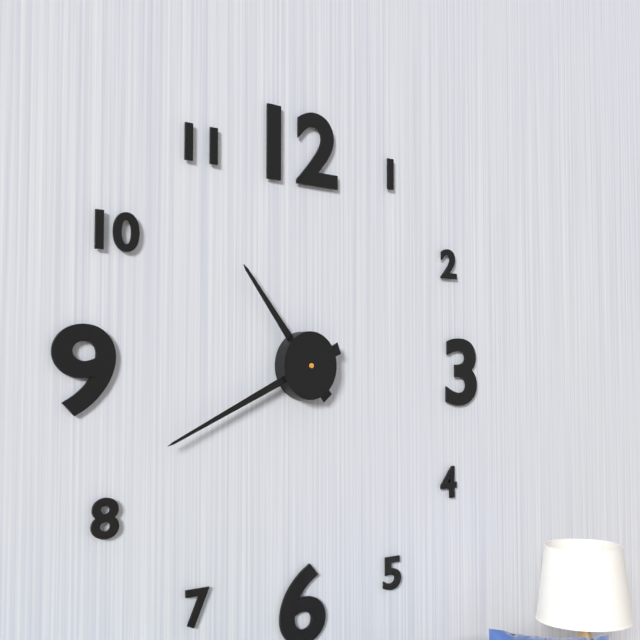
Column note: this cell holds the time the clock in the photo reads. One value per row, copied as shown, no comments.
10:41
